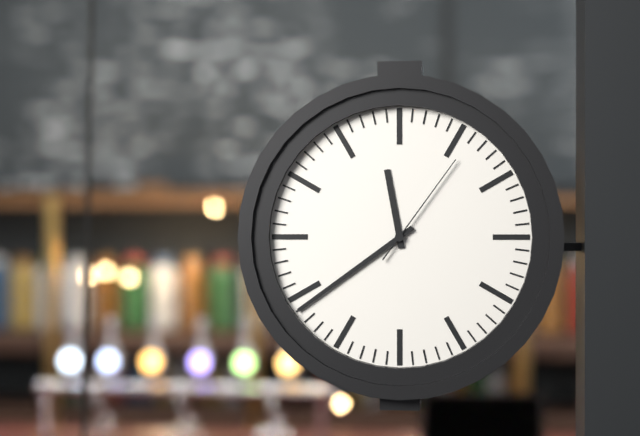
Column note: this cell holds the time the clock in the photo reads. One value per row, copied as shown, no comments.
11:39:06
